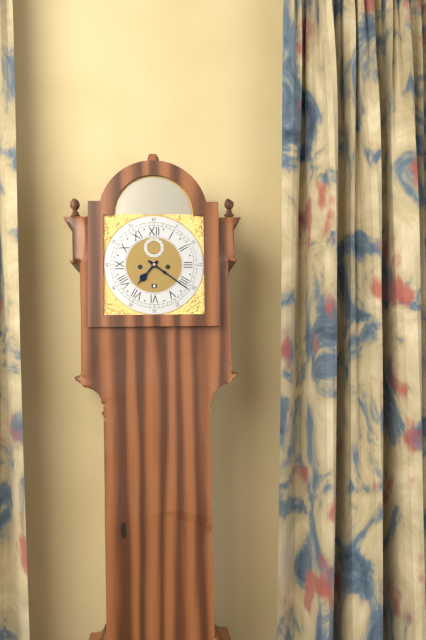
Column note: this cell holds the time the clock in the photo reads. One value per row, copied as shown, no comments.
7:21
